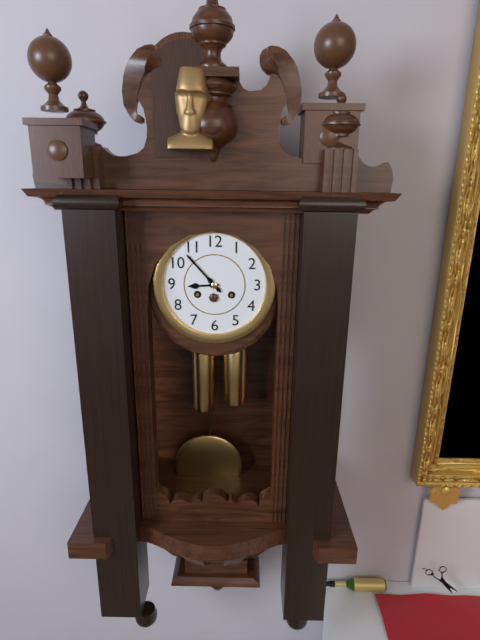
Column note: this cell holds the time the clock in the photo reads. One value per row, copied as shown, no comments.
8:53
